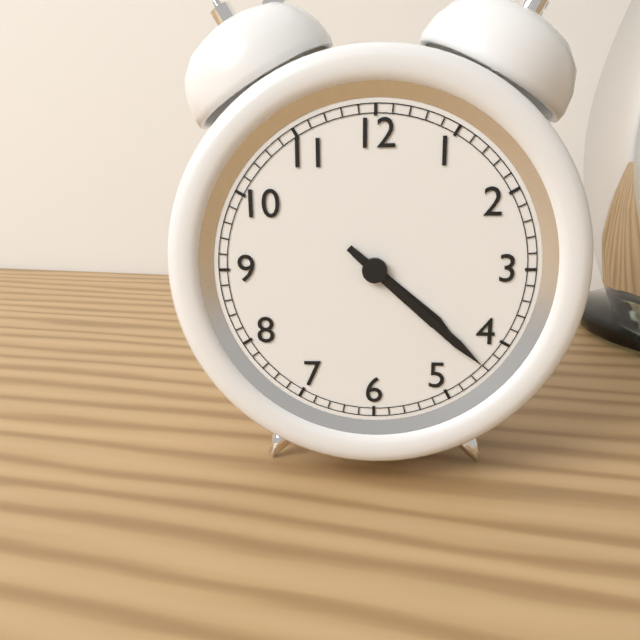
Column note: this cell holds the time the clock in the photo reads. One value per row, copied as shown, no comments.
4:22
